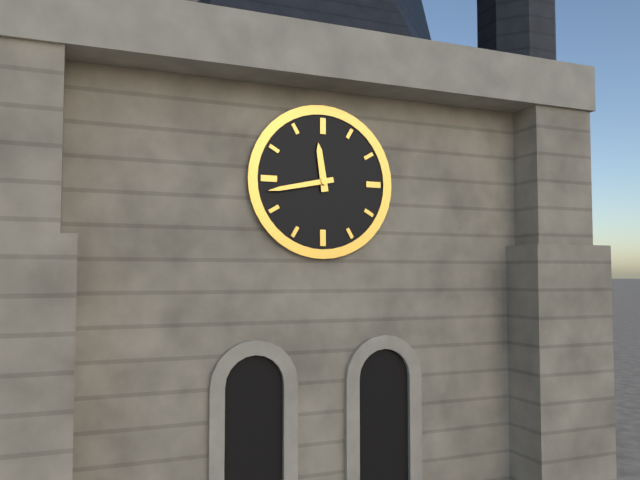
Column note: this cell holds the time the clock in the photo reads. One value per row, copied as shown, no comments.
11:43
